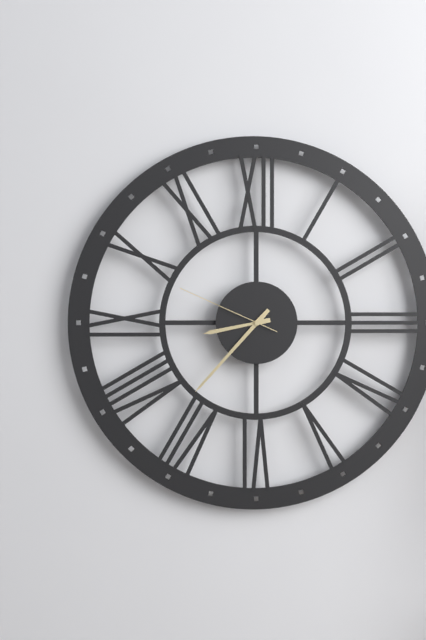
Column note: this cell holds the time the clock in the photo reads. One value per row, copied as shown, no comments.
8:37:49
